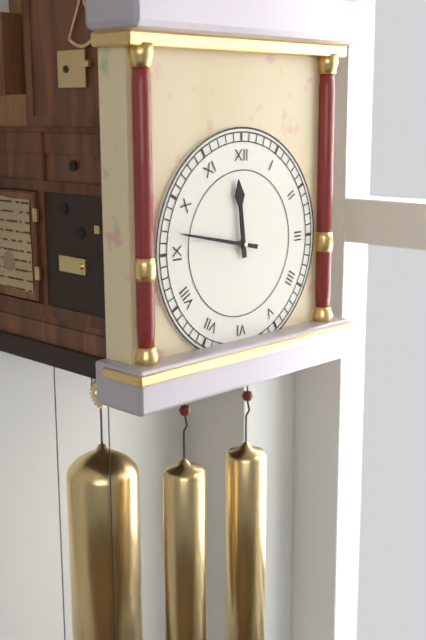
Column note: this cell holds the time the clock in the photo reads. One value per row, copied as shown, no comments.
11:47
